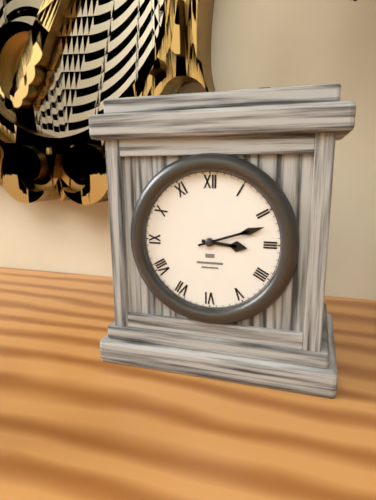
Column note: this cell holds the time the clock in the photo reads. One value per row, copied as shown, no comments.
3:12
